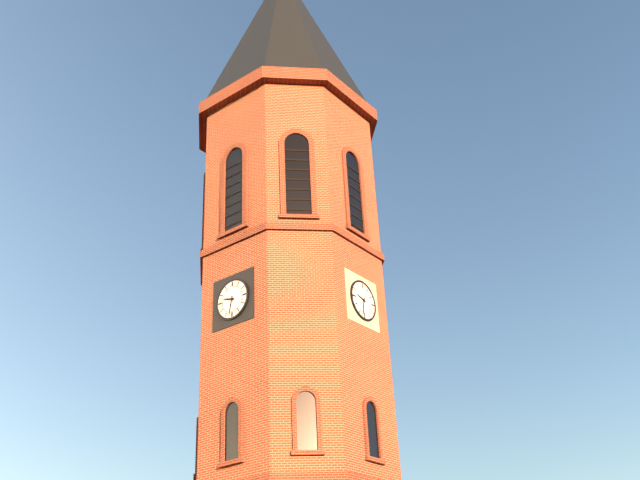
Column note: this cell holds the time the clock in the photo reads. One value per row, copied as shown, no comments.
9:32
